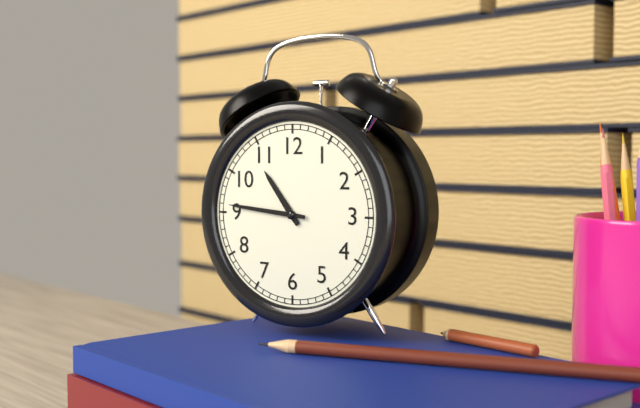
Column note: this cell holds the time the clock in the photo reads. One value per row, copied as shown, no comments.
10:46
